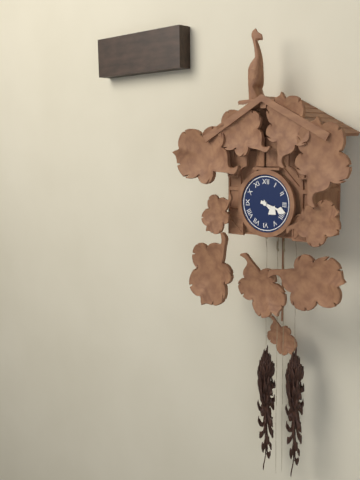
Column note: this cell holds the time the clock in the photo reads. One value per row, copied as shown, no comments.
4:18
